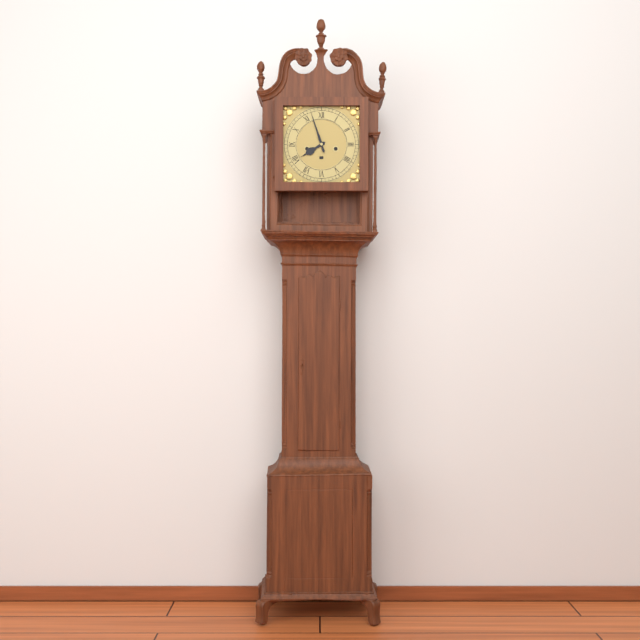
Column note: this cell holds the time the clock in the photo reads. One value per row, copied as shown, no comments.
7:57
